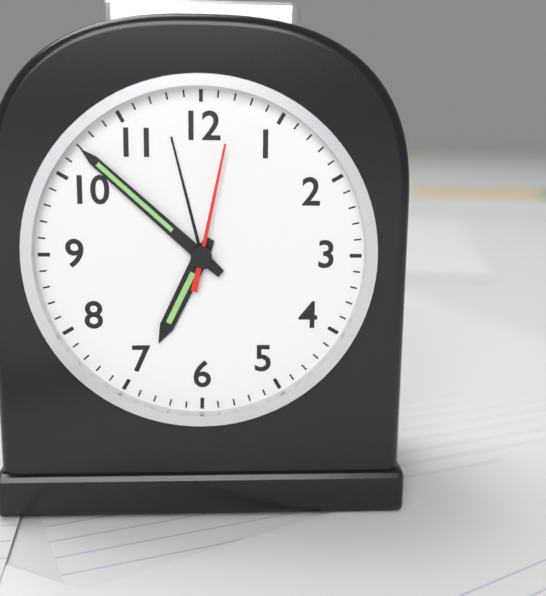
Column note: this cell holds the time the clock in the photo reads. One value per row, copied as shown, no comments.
6:52:02
